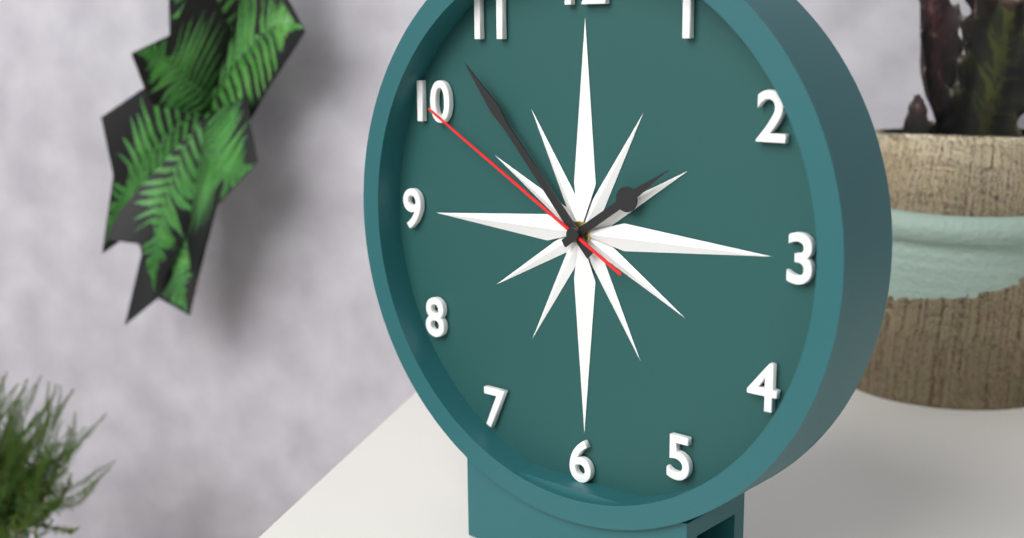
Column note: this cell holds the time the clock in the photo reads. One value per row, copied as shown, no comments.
1:53:50
